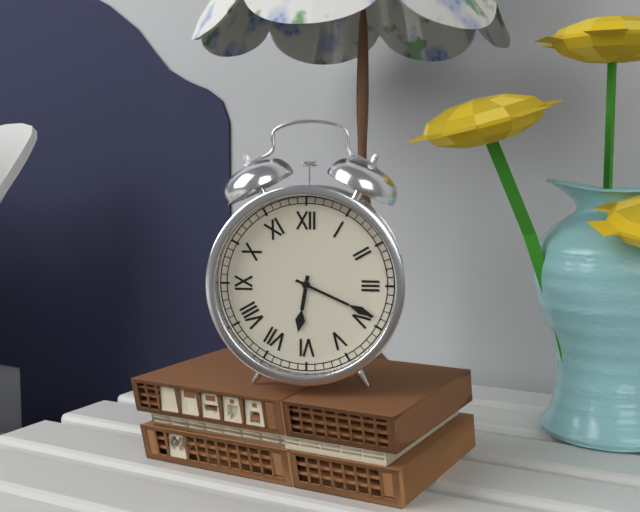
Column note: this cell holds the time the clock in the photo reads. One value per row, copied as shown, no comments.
6:19
